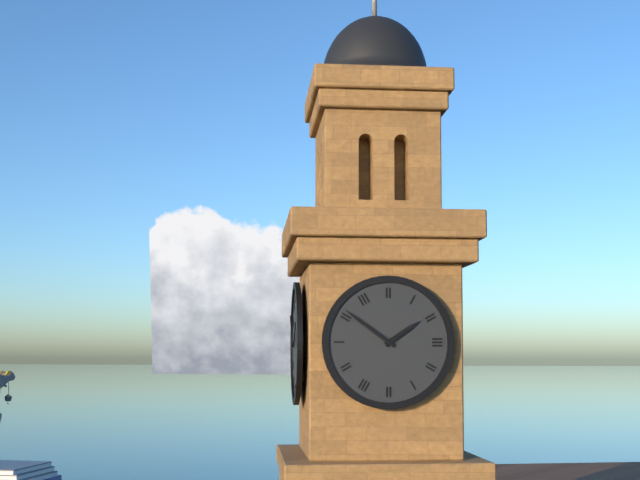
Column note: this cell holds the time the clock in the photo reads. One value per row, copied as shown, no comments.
1:51
